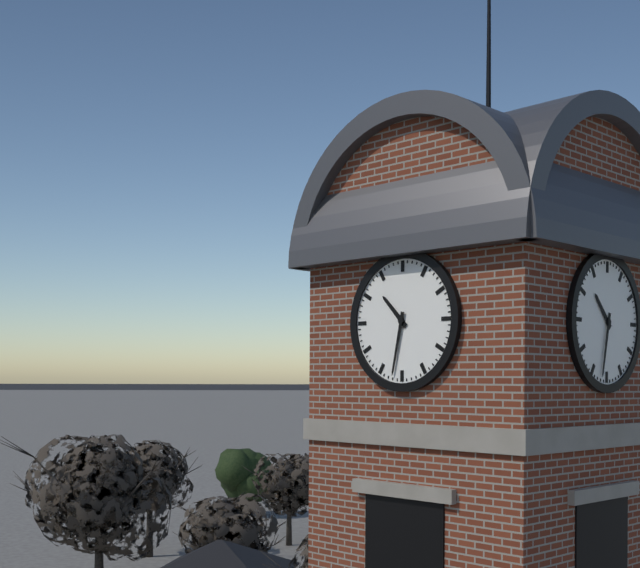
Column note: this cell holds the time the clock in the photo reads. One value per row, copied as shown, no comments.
10:32
